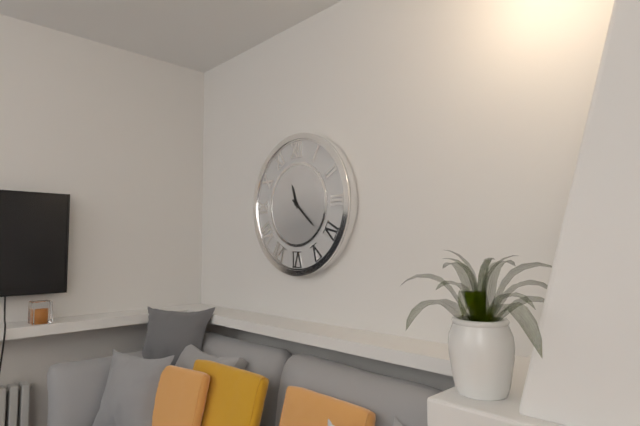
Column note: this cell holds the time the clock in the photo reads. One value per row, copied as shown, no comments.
11:22
